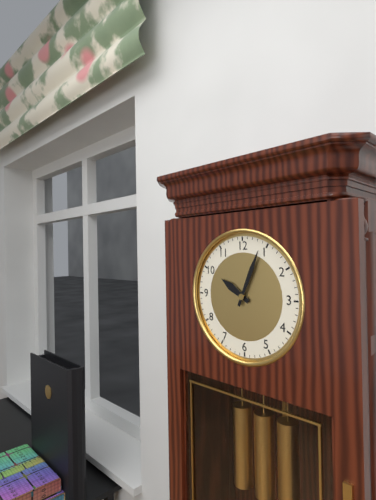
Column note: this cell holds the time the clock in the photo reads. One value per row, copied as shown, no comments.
10:04
